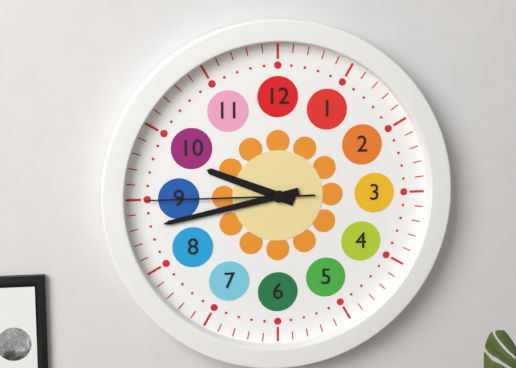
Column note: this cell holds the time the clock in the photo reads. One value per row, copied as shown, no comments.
9:43:45
